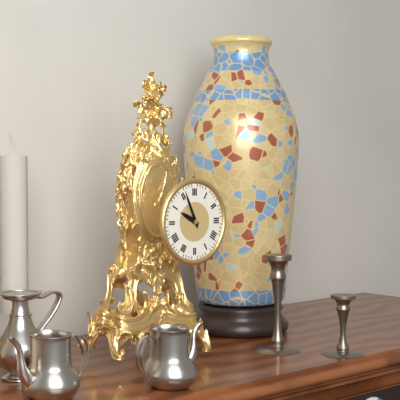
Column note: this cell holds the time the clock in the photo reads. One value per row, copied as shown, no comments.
9:56
